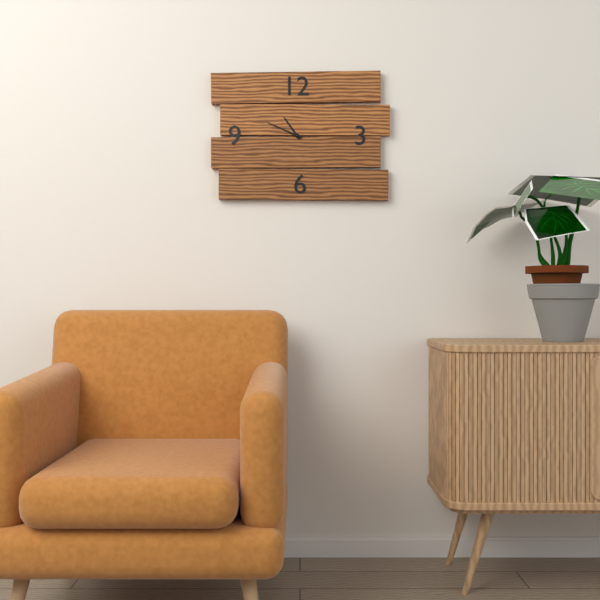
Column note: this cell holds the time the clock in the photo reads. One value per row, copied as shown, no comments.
10:49
